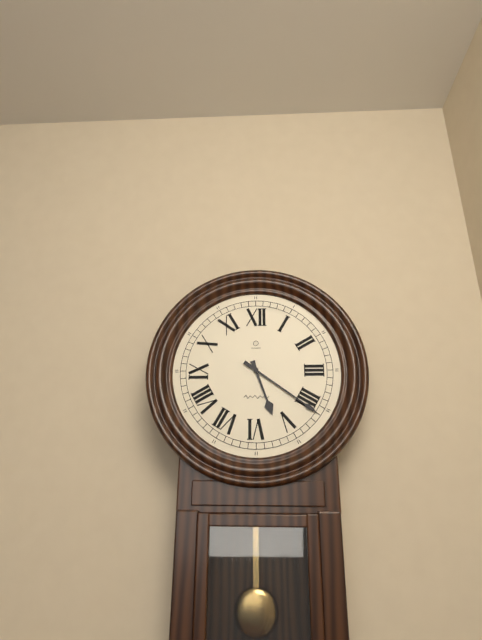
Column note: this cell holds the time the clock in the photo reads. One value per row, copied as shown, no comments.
5:21
